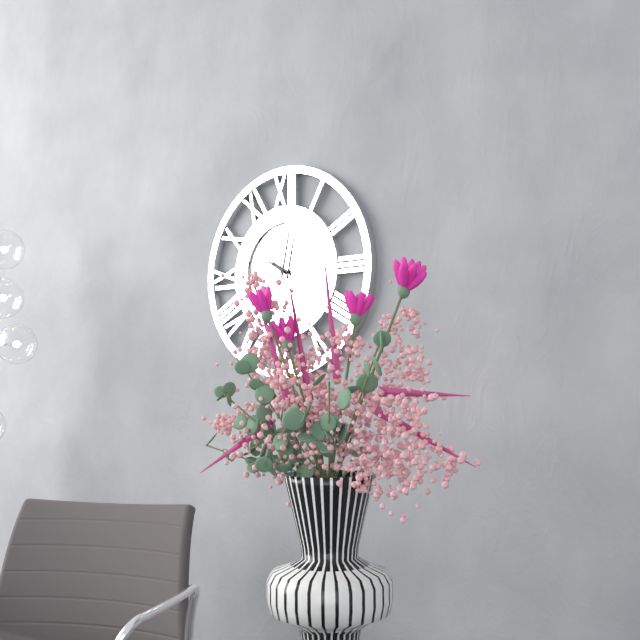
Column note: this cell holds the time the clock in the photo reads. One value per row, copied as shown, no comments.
10:02
